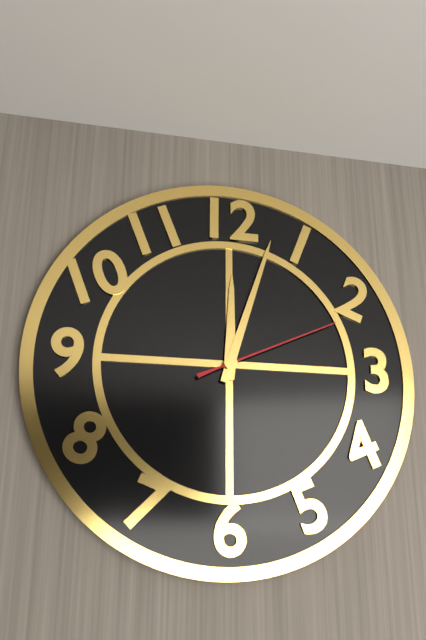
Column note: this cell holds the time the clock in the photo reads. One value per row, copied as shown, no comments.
12:03:11
